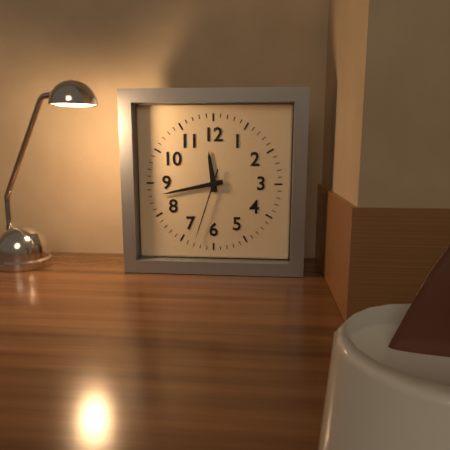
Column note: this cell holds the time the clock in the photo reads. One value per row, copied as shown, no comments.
11:43:33
